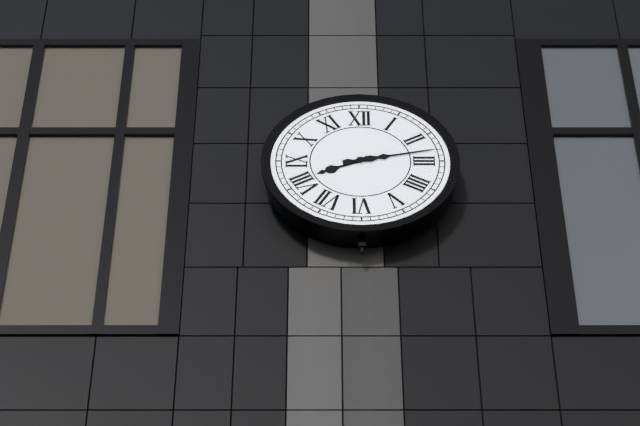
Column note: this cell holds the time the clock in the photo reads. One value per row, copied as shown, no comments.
8:13
